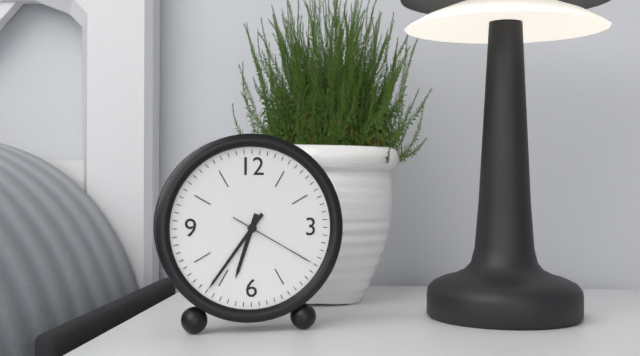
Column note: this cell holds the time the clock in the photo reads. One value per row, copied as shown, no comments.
6:36:20
